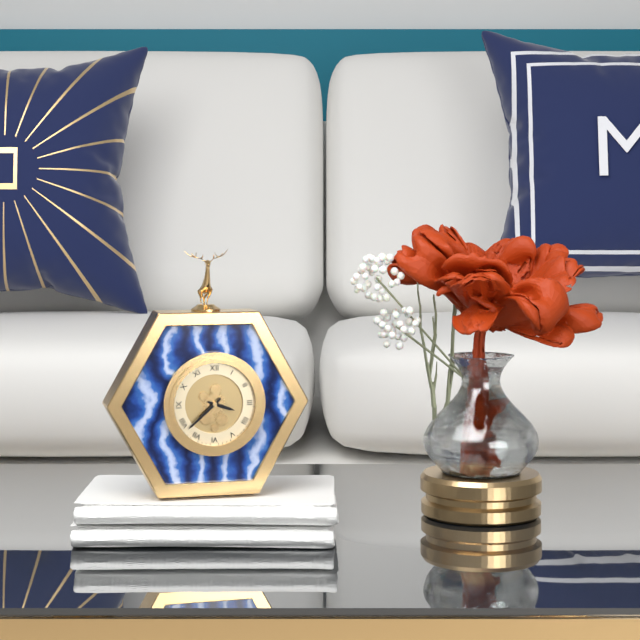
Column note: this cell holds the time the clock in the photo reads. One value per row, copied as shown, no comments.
3:38
